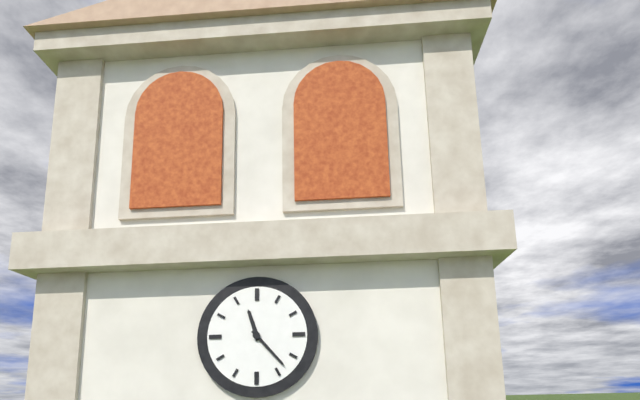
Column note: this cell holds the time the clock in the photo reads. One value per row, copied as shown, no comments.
11:23
